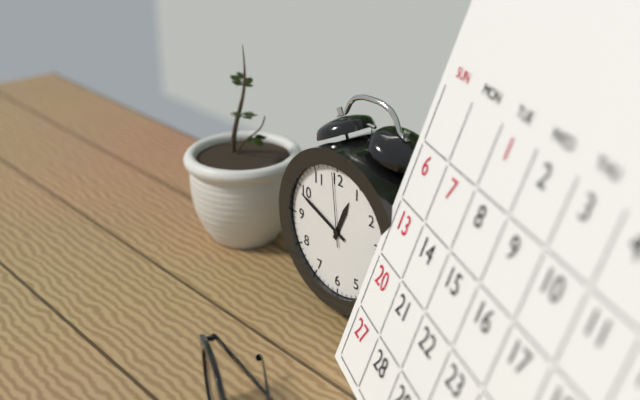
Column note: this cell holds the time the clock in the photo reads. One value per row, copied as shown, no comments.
12:49:59
